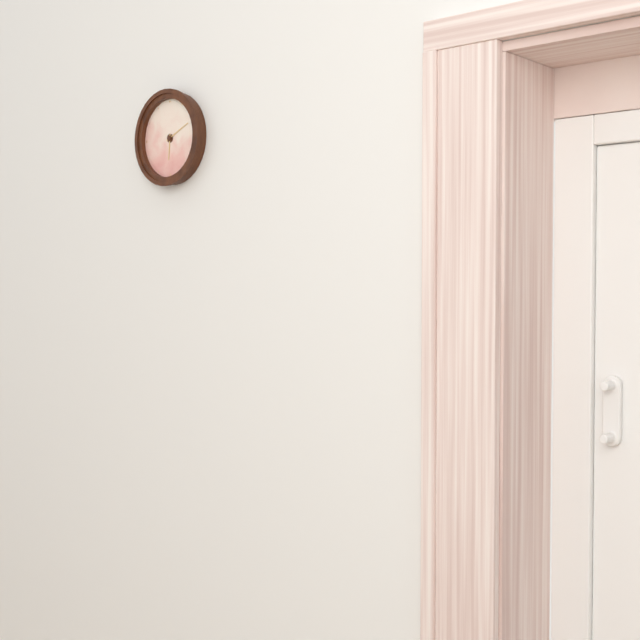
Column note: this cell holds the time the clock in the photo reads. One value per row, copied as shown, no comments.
6:11
